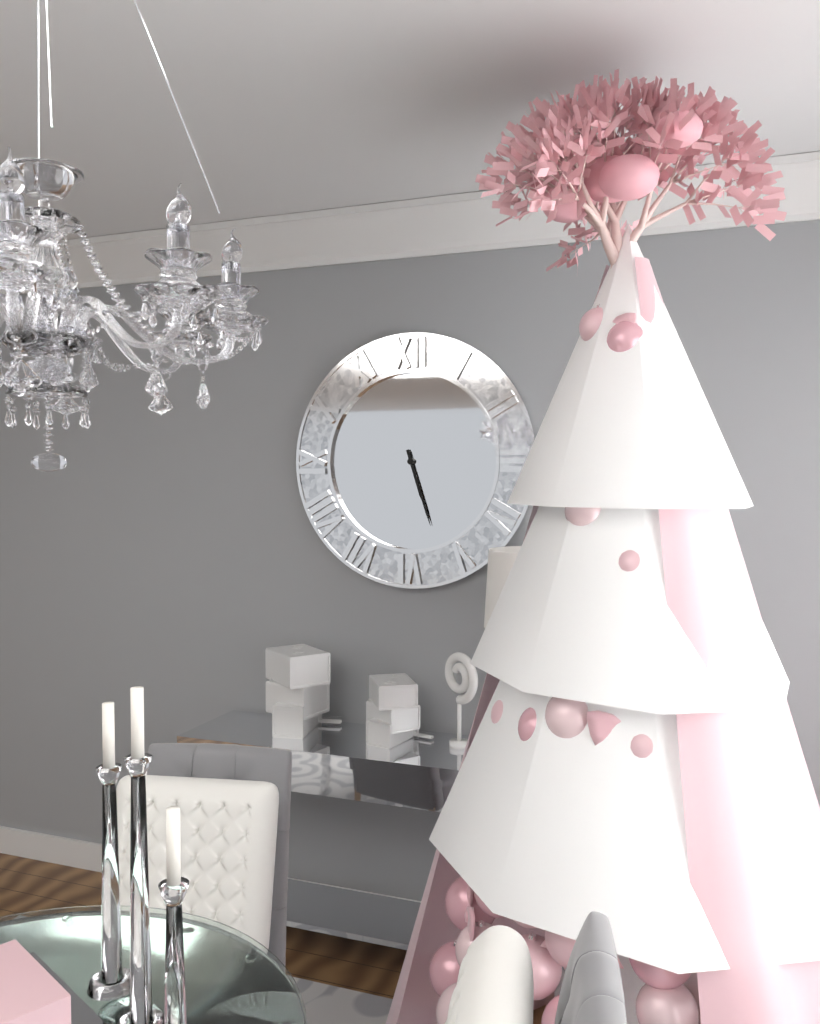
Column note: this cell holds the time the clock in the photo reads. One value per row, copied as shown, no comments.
5:27
